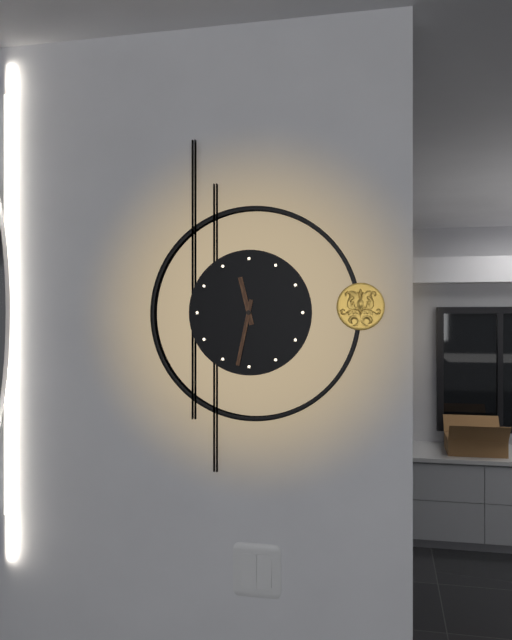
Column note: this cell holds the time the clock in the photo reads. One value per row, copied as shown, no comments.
11:32
